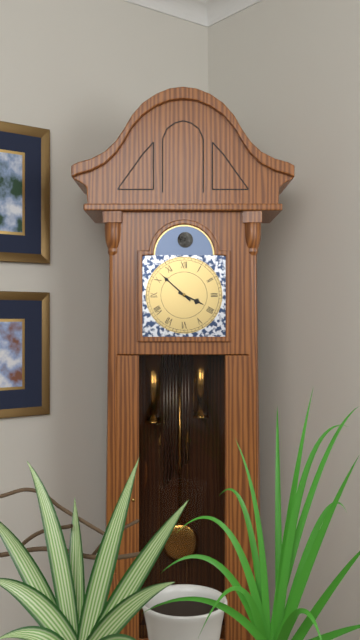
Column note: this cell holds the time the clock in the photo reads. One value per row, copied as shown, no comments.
3:52
